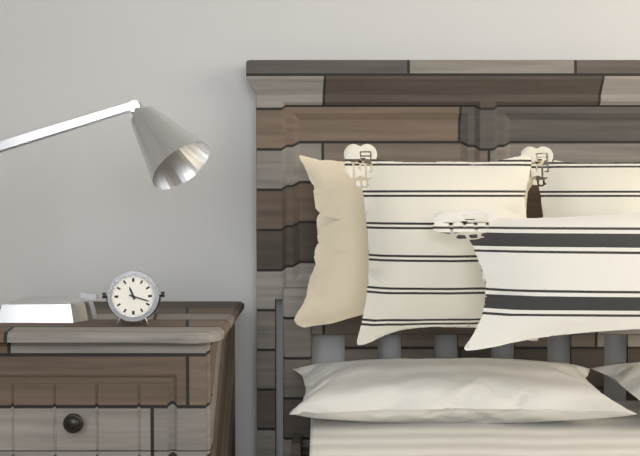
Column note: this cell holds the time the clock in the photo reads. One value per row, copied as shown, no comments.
11:18
